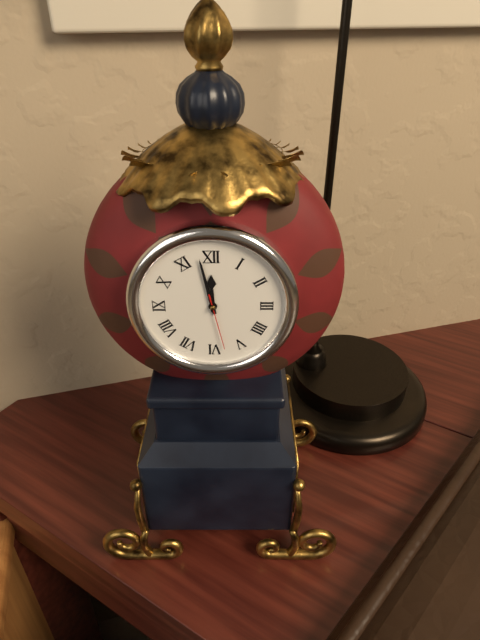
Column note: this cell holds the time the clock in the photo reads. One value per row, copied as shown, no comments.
11:58:28
